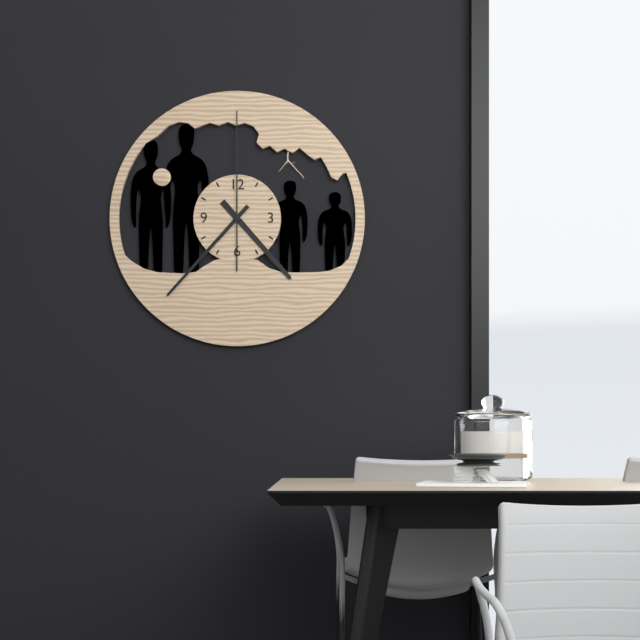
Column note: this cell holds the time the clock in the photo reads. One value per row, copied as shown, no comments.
4:37:00
